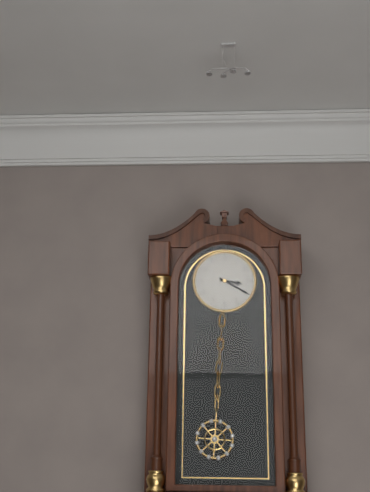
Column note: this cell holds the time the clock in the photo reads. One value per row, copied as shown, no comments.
3:20
